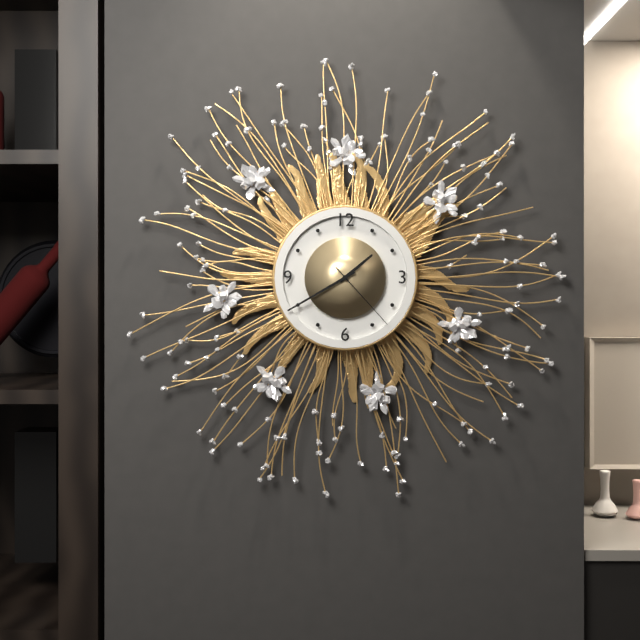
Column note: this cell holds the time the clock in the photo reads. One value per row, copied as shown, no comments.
1:40:23
